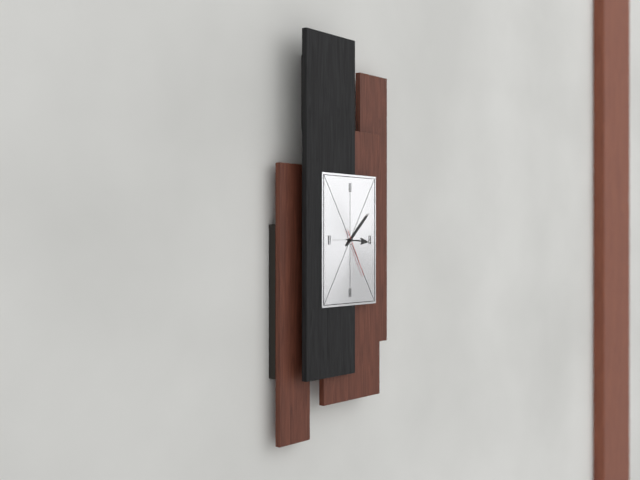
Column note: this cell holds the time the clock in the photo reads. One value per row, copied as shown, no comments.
3:08:25
